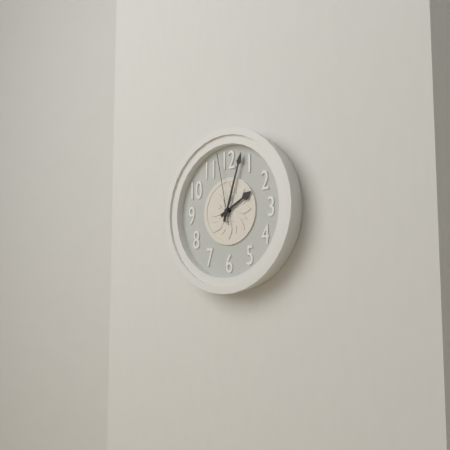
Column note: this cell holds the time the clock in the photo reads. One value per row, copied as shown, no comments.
2:03:58
